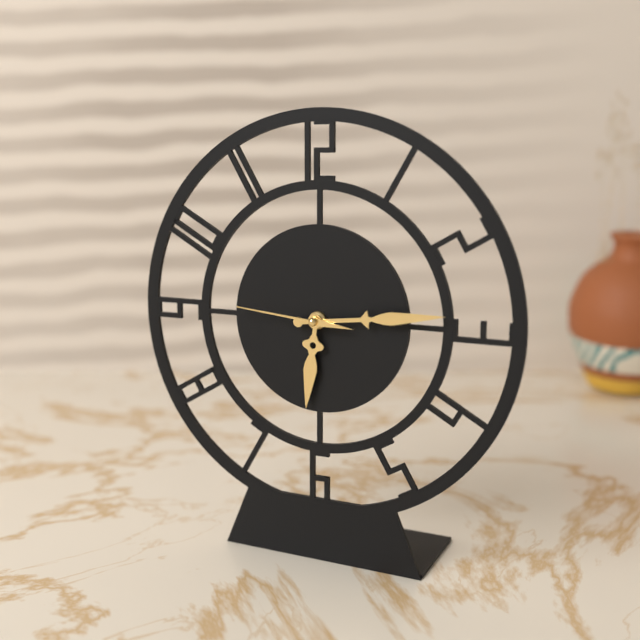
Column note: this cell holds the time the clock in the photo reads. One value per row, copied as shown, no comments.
6:14:46
